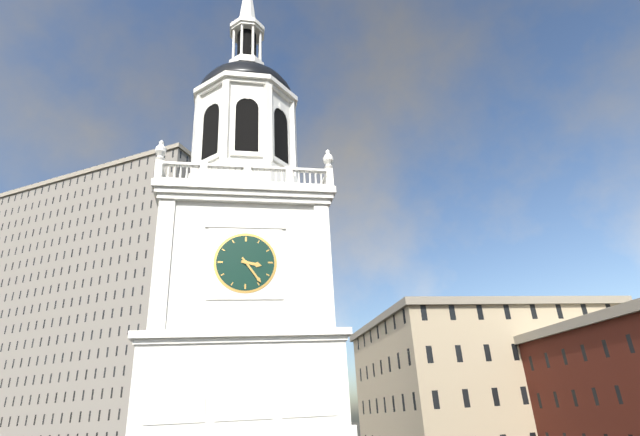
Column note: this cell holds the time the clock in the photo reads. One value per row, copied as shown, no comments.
3:24
